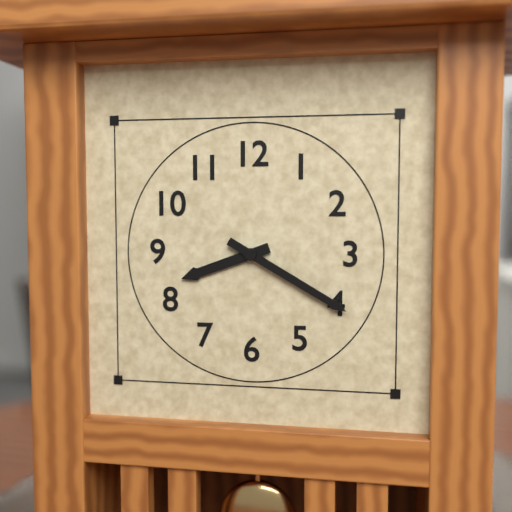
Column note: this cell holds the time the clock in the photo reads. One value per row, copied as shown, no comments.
8:20
